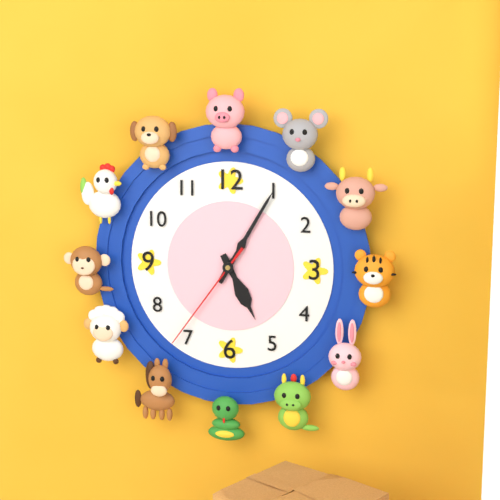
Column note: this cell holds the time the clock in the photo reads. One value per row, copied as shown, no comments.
5:05:36
